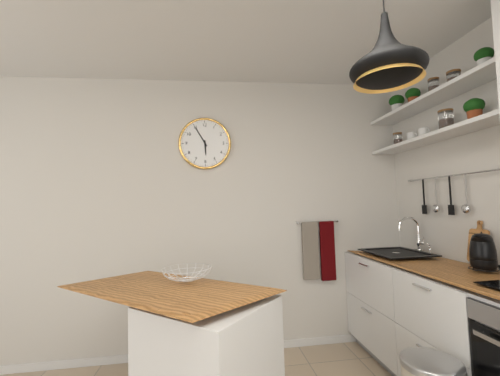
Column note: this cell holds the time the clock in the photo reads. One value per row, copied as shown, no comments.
5:55
